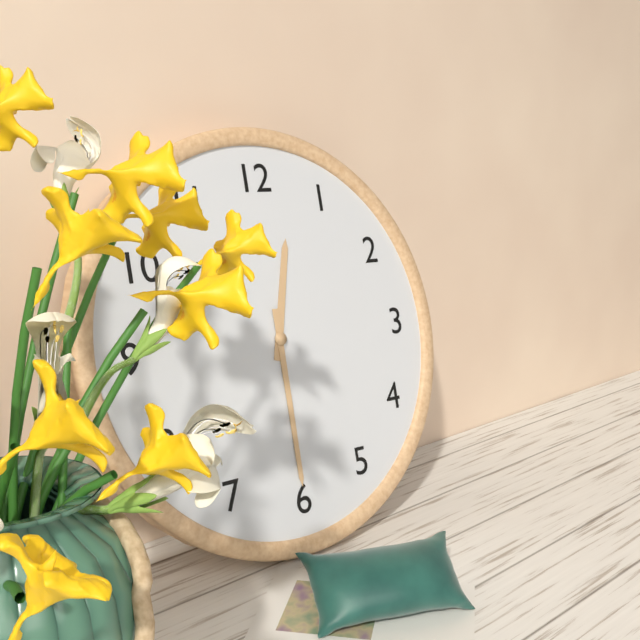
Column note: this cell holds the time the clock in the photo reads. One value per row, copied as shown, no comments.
12:30
